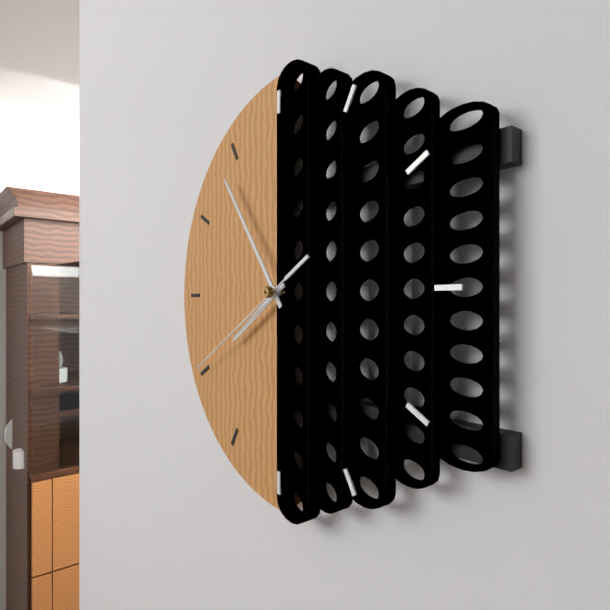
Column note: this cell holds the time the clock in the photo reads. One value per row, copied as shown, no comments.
7:54:40
